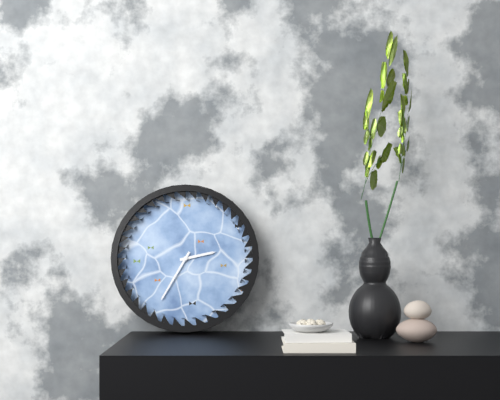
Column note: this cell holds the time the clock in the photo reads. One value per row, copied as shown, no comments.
2:35
